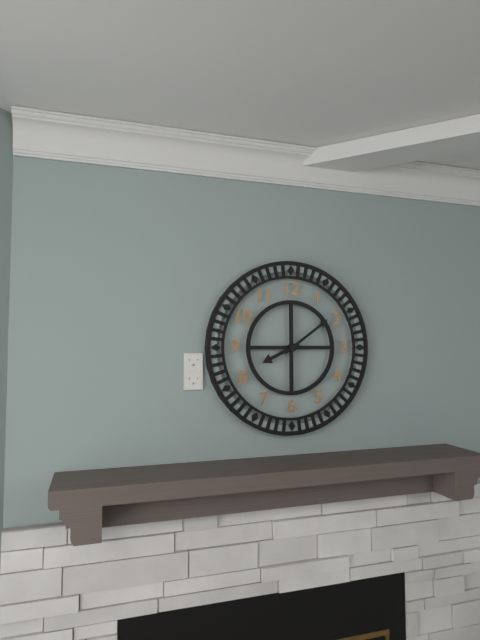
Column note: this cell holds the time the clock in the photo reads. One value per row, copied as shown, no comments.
8:09
